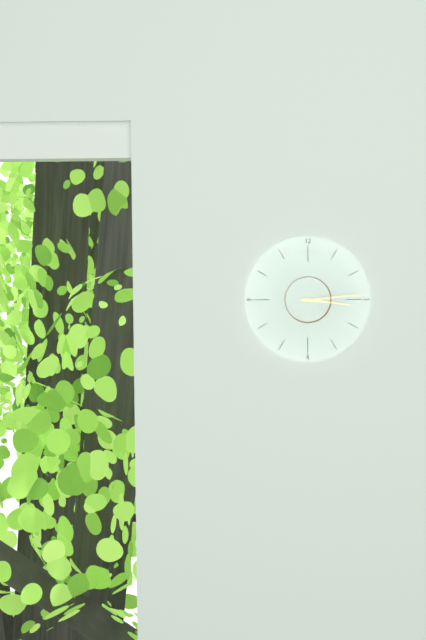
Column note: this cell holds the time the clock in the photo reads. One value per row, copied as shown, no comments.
3:14
